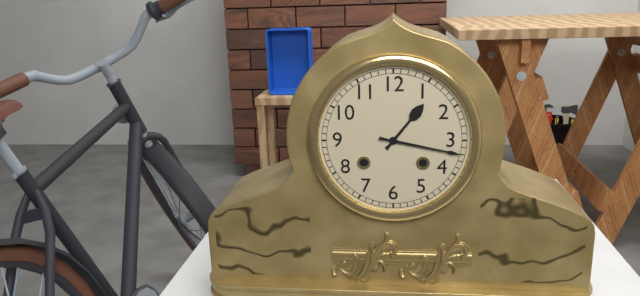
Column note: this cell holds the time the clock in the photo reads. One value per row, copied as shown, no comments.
1:17
